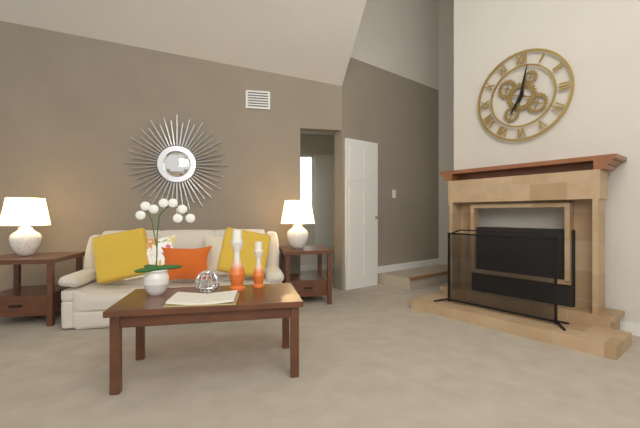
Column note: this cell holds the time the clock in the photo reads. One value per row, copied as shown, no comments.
7:02
